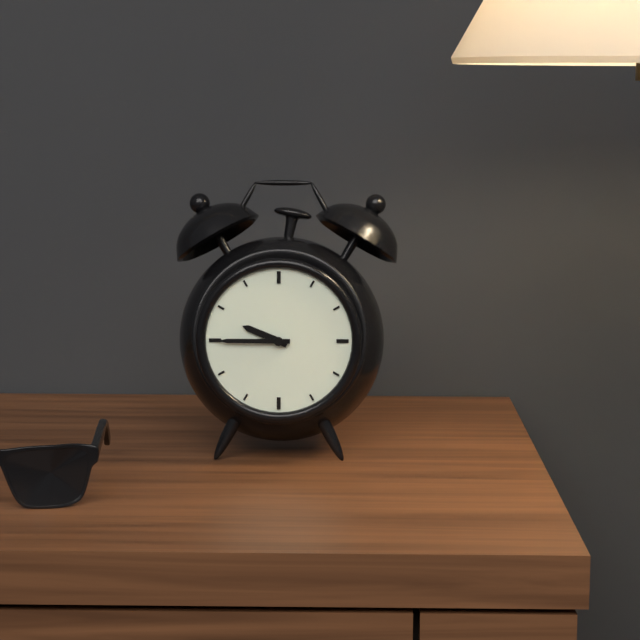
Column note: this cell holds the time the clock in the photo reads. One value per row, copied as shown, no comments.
9:45
